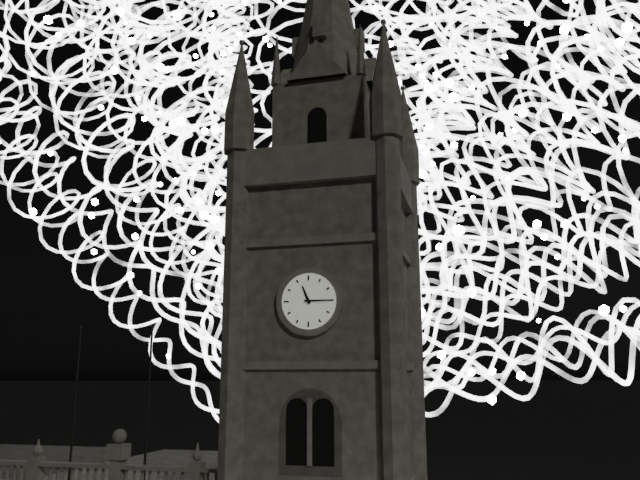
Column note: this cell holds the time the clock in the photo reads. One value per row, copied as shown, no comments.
11:15
